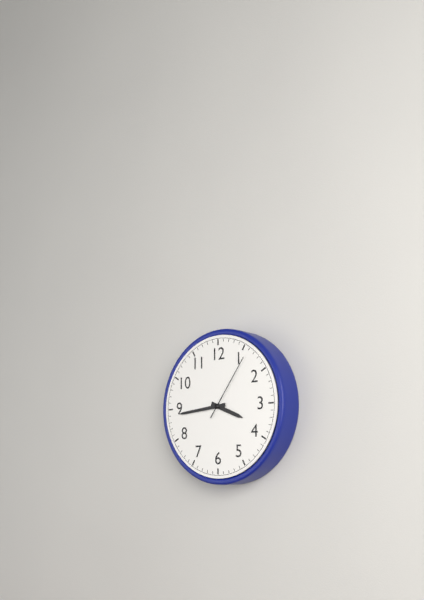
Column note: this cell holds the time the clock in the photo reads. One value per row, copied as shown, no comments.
3:44:06
